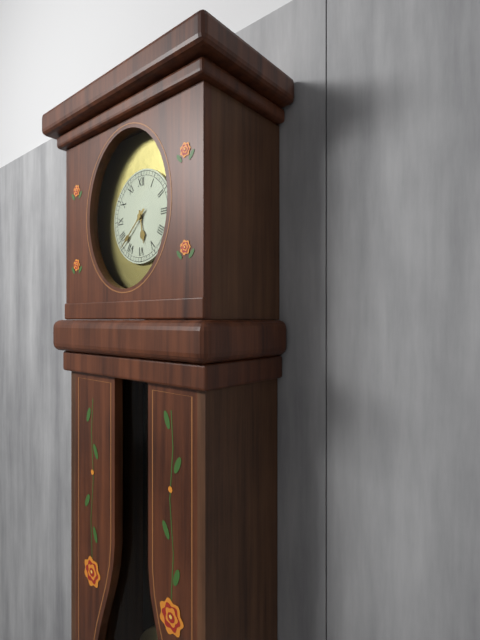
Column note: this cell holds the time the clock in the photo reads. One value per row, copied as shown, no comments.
5:38
